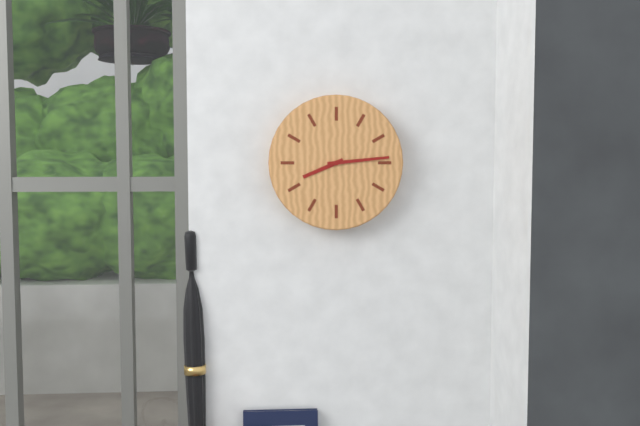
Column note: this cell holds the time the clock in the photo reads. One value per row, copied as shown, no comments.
8:14
